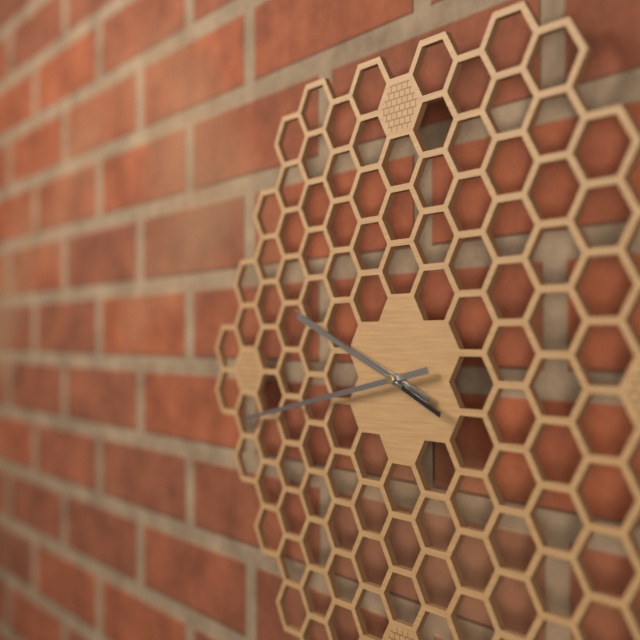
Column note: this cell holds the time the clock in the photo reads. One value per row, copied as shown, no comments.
9:43:49
